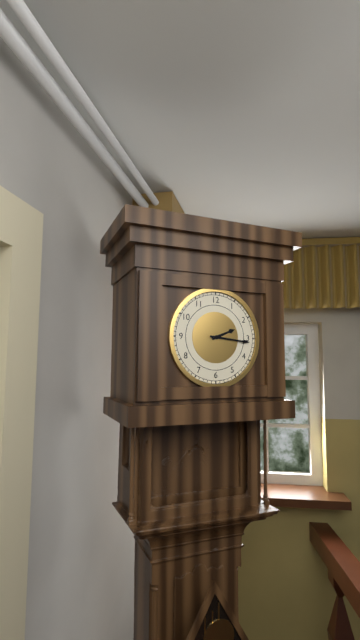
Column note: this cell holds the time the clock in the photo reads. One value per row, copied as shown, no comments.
2:16
